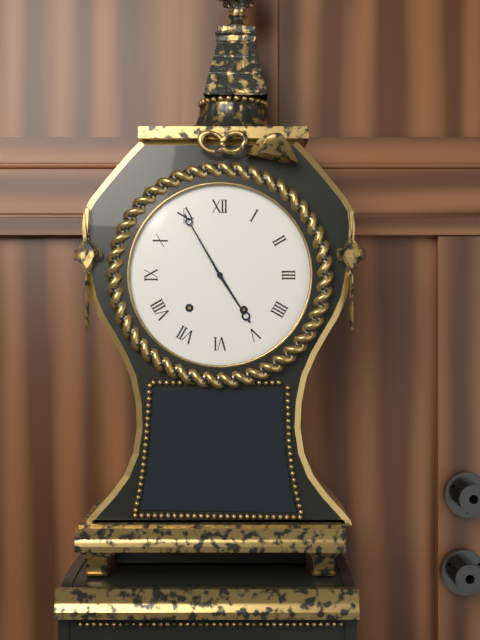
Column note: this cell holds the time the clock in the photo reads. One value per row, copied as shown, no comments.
4:55
